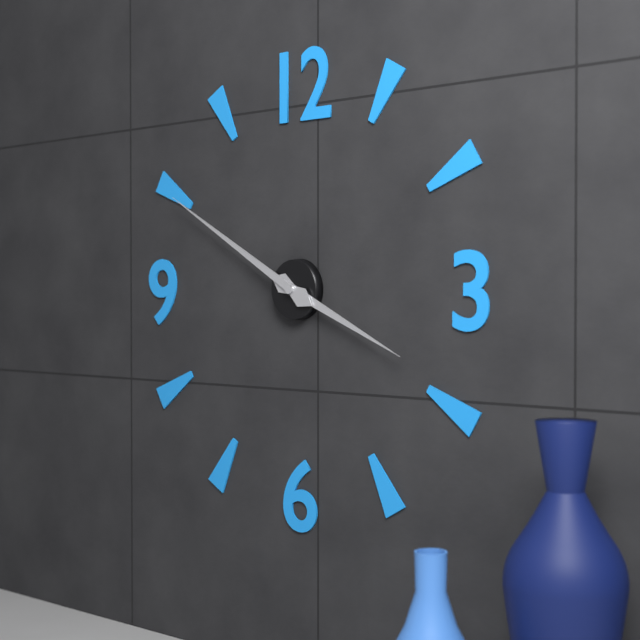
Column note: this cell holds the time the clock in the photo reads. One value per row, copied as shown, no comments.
3:50
